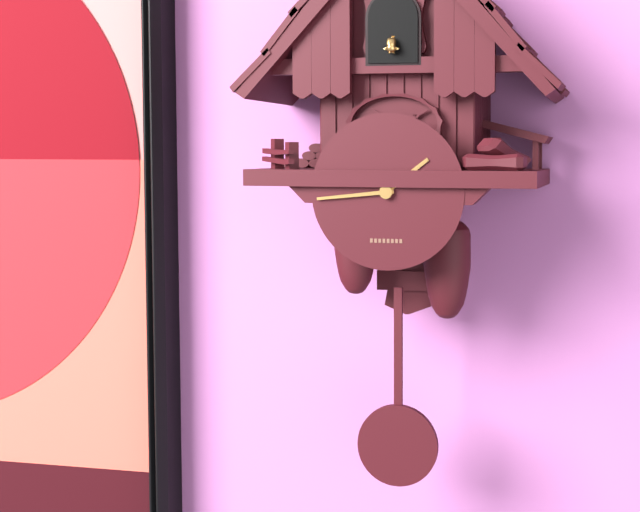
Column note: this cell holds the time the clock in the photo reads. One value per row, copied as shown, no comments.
1:44
